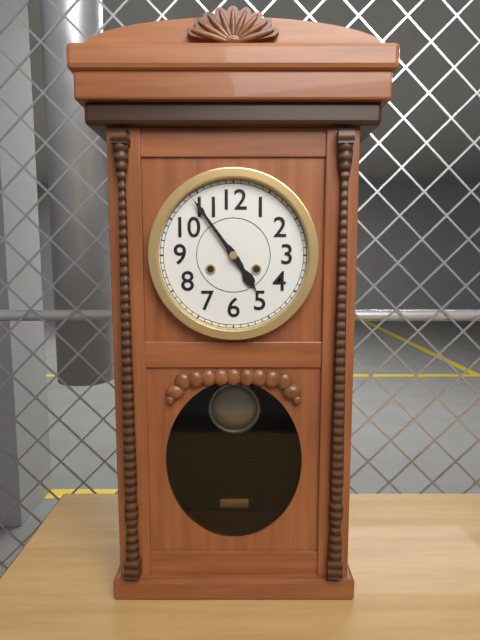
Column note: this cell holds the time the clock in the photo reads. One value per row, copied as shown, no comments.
4:54
